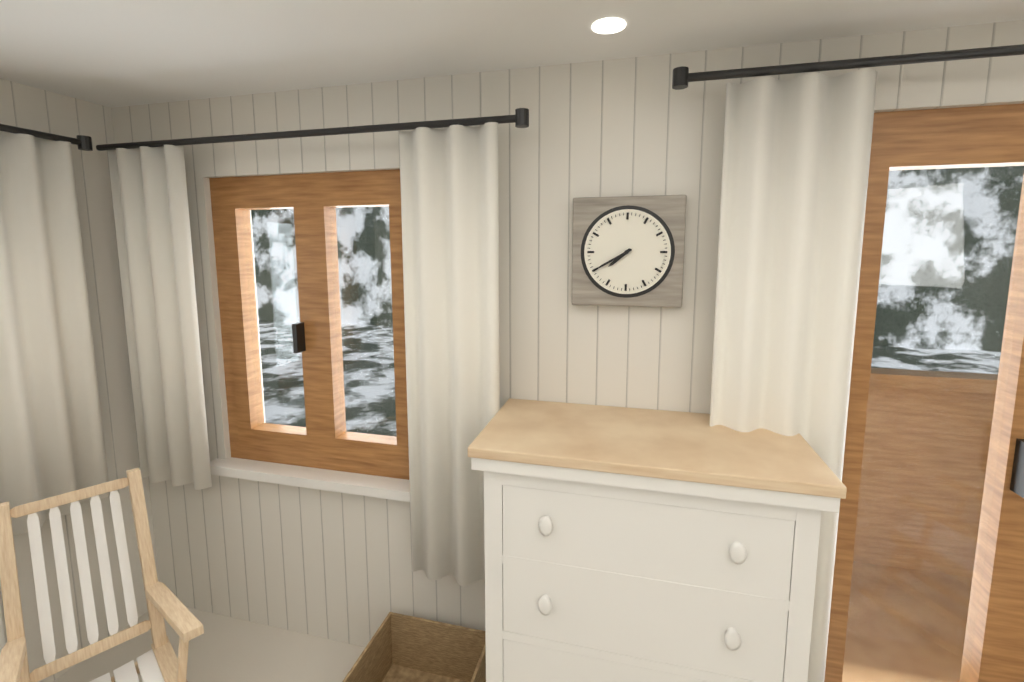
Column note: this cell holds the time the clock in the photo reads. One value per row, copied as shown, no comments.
7:40
